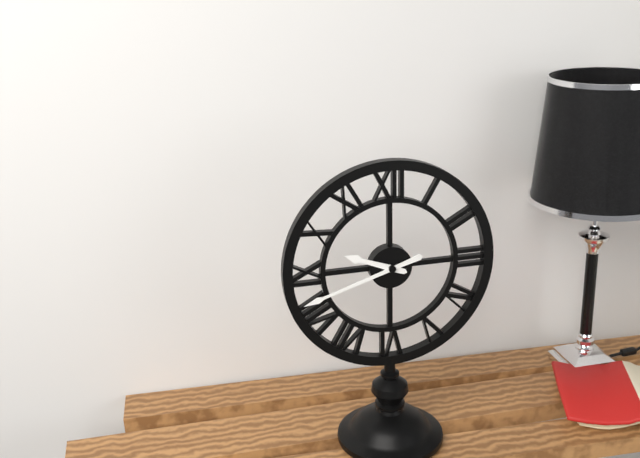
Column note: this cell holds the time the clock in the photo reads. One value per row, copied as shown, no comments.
9:42
